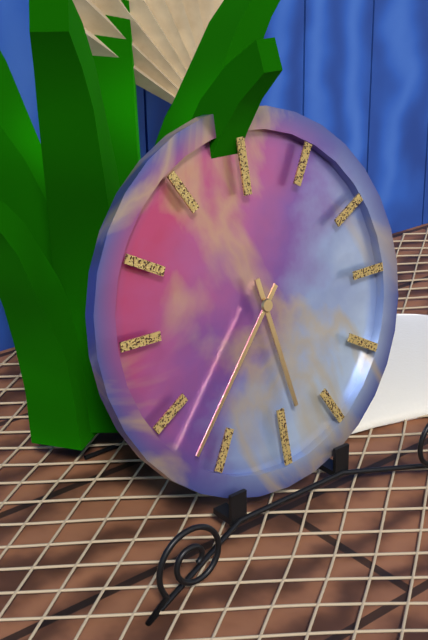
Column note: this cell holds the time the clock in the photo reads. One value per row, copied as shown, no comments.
5:37
